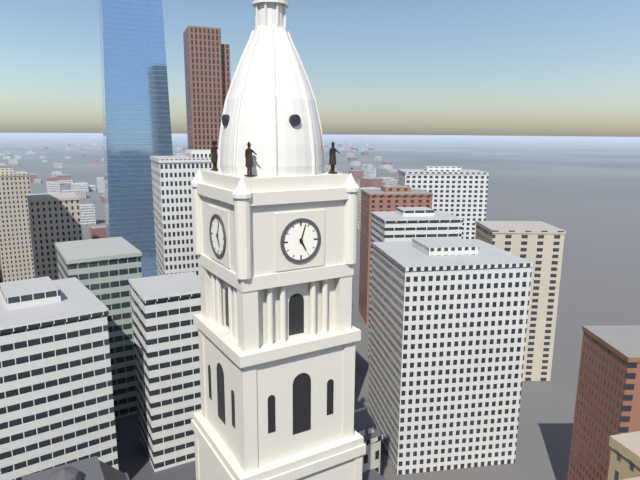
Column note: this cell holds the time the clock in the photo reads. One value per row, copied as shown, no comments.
5:03
